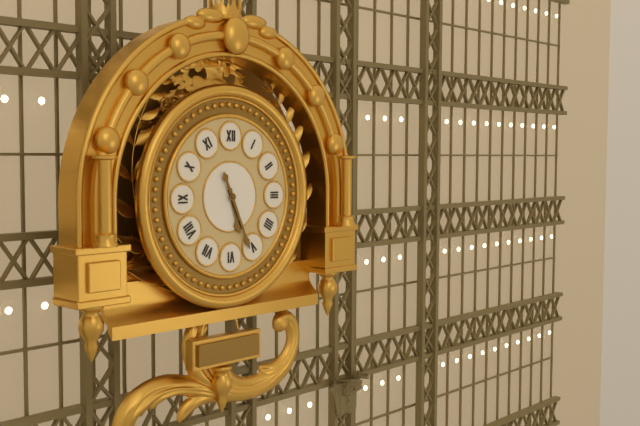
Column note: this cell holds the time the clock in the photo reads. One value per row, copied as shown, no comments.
5:26
